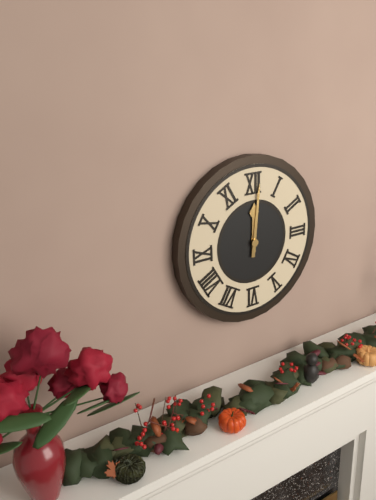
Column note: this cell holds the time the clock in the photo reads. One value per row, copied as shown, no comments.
12:01
